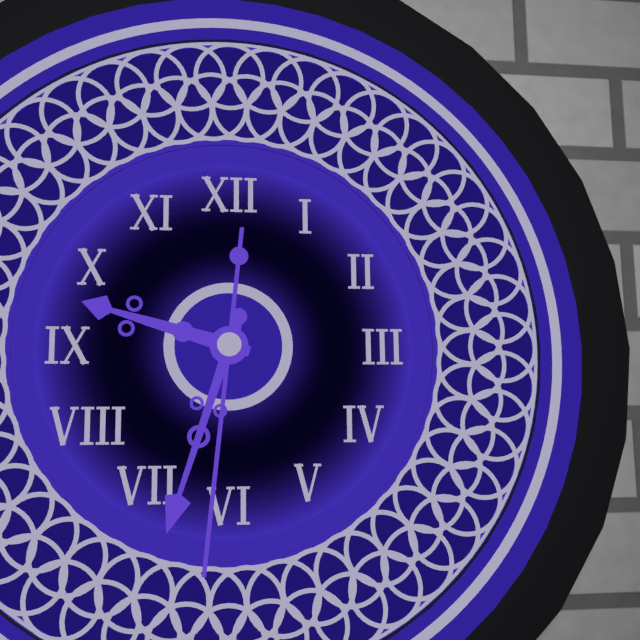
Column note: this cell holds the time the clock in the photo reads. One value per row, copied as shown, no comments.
9:33:31
